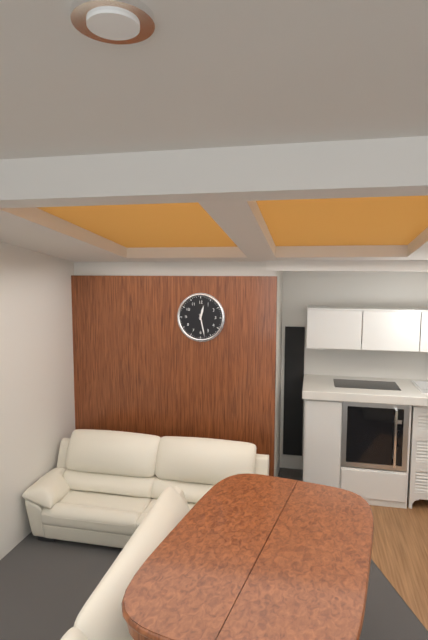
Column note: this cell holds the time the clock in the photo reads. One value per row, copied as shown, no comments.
12:28
